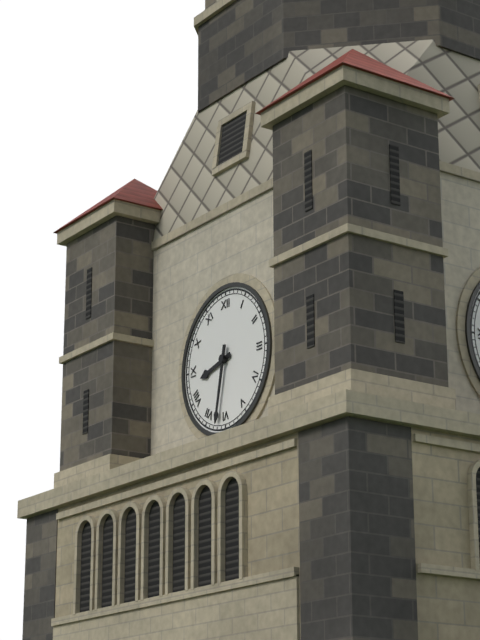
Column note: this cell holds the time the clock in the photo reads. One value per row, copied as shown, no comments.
8:32
